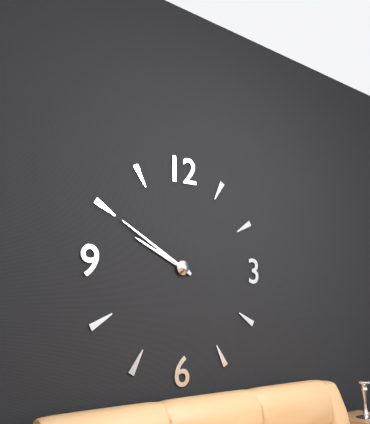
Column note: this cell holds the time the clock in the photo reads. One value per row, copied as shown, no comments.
9:50
